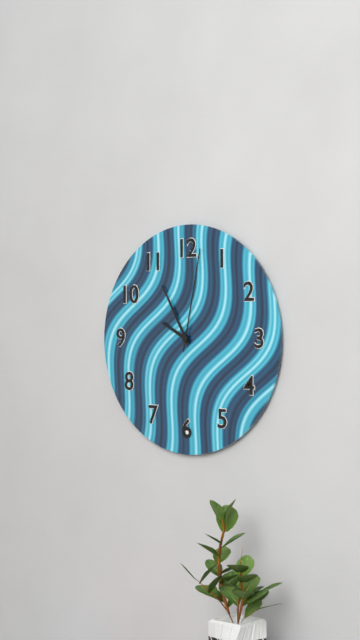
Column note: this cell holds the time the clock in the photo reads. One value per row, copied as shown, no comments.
9:55:02
